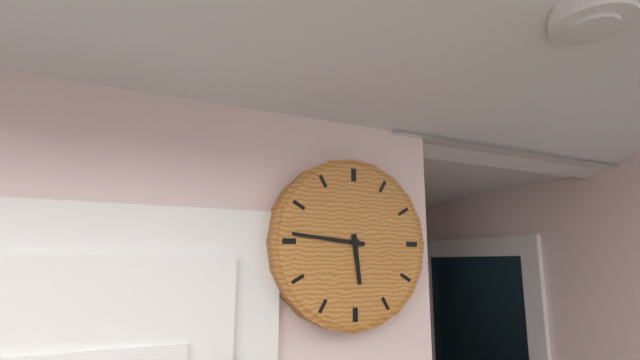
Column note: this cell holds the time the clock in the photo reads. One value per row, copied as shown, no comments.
5:46
